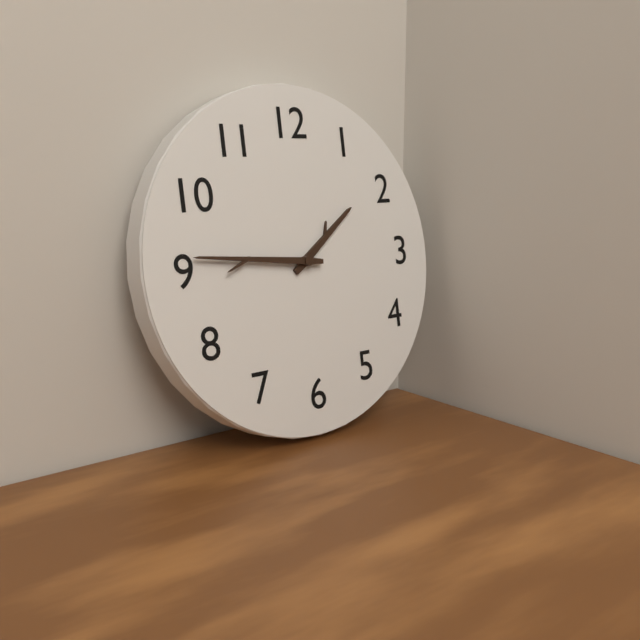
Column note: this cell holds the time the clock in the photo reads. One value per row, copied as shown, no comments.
1:46
